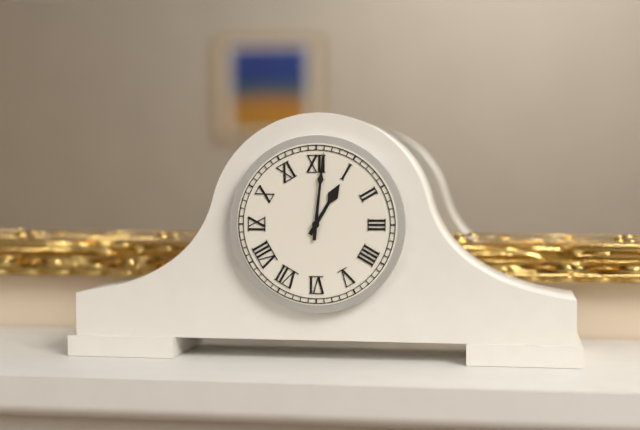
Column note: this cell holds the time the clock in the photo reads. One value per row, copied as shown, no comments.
1:01
